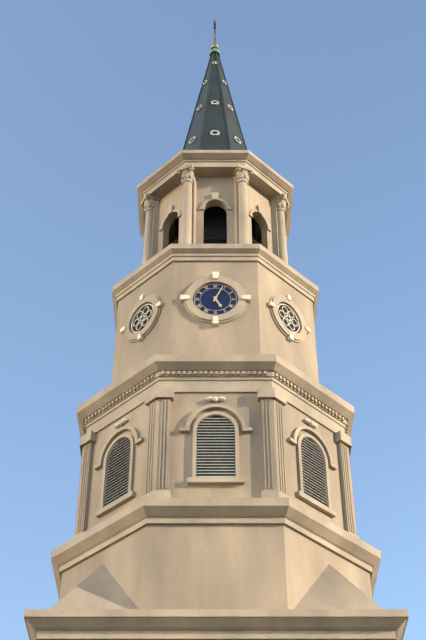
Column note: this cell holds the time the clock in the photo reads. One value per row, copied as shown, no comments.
5:04
